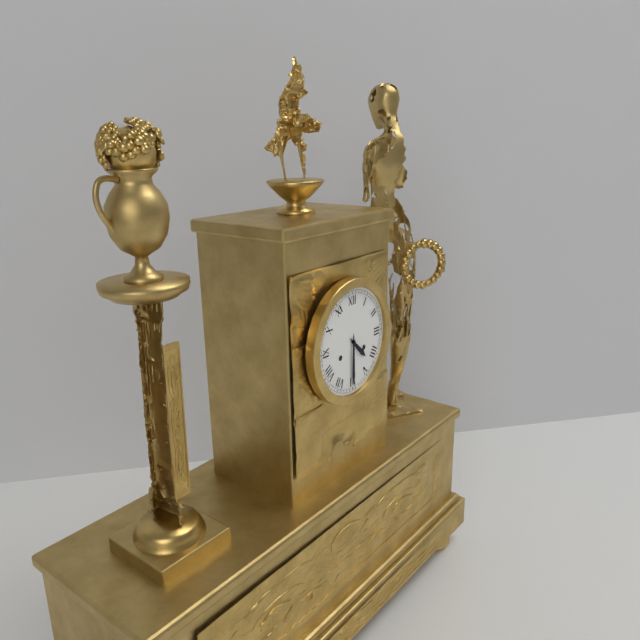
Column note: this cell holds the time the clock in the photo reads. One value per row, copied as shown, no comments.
4:30
